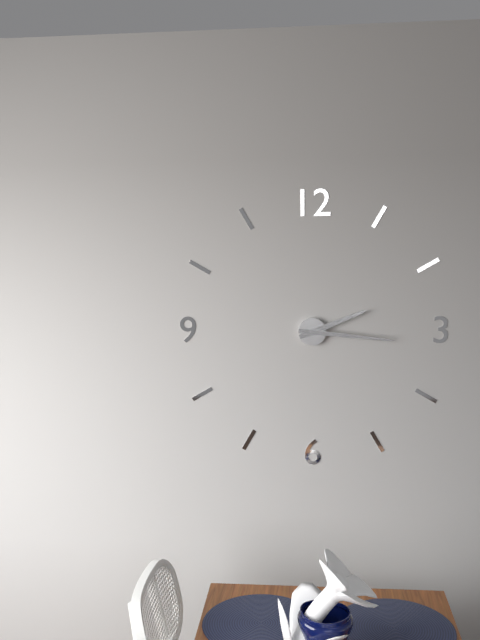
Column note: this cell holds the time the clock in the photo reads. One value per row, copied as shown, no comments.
2:16
